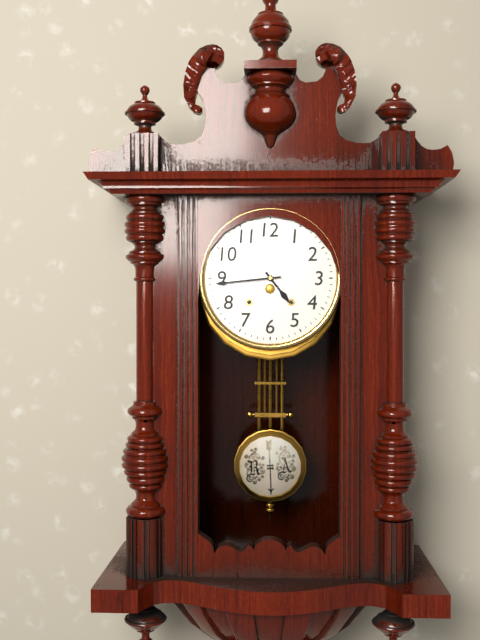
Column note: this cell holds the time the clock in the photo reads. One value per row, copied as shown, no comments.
4:44
